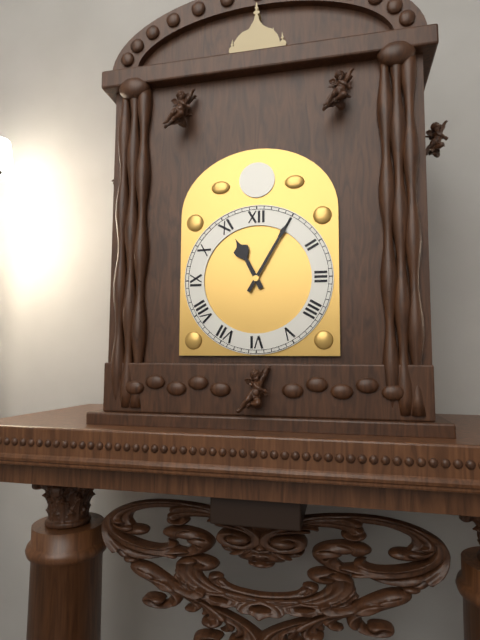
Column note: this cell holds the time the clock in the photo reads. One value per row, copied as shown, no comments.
11:05
